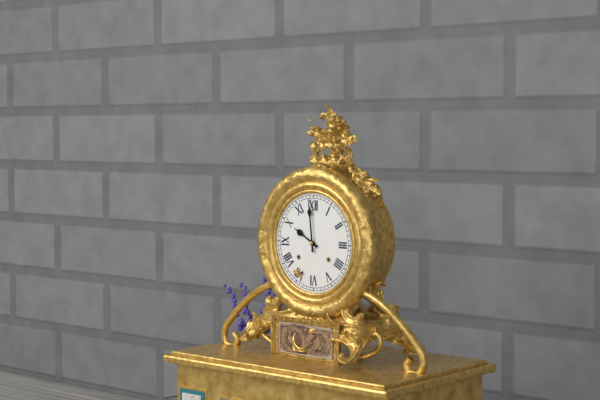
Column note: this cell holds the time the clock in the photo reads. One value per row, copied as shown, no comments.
9:59
